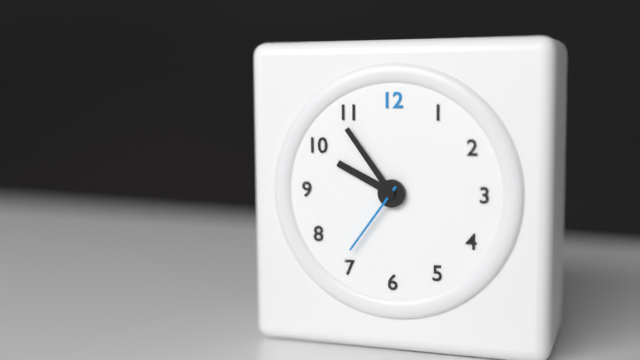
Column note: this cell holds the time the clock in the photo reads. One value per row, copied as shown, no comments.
9:54:36
